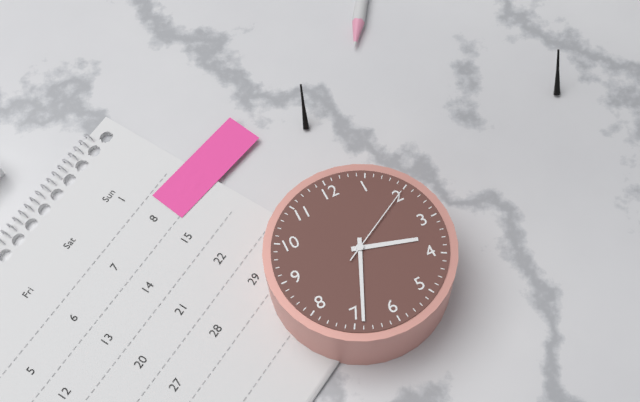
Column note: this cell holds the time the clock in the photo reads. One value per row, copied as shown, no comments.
3:34:10
